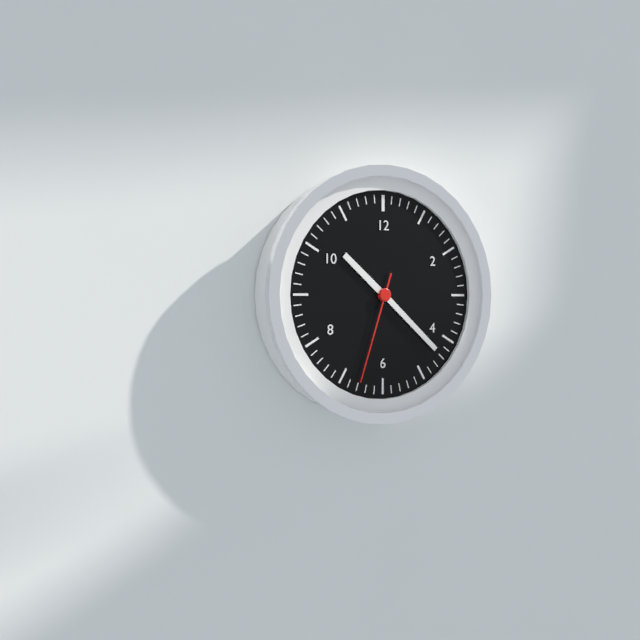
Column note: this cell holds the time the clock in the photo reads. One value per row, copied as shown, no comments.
10:22:33
